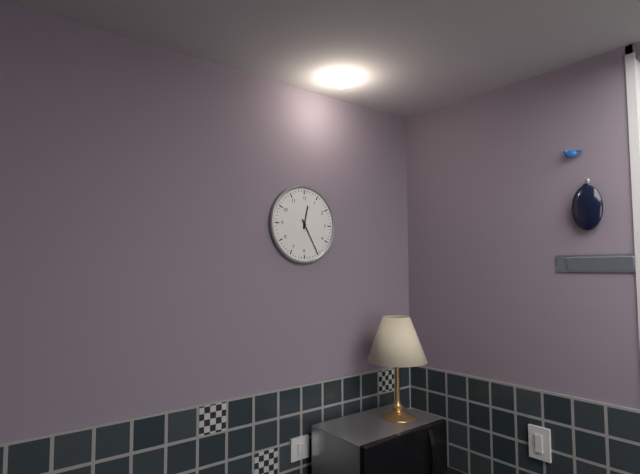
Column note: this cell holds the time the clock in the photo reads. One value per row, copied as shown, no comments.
12:25
